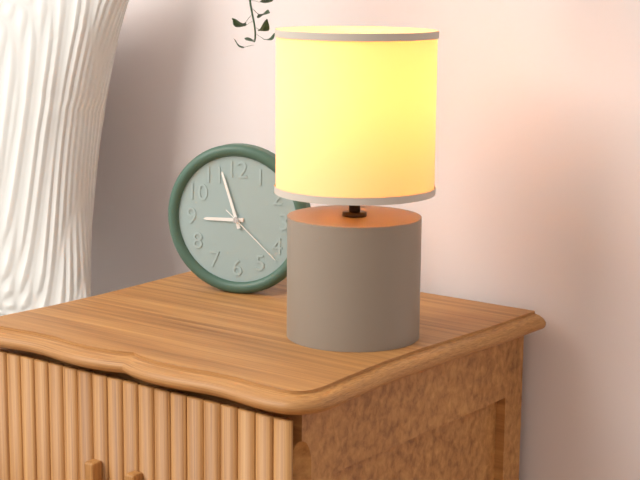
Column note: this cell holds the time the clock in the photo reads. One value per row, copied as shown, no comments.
8:57:22
